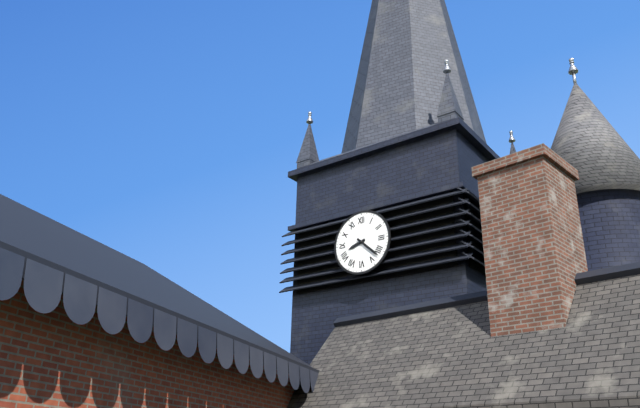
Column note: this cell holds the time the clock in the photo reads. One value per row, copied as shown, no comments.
8:22
